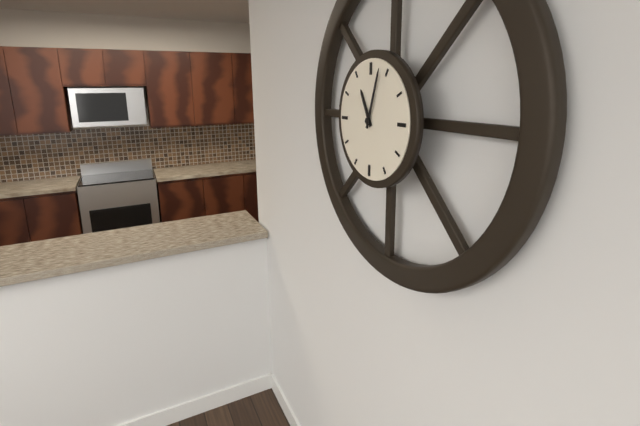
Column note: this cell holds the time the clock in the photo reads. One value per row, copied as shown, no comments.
11:03
